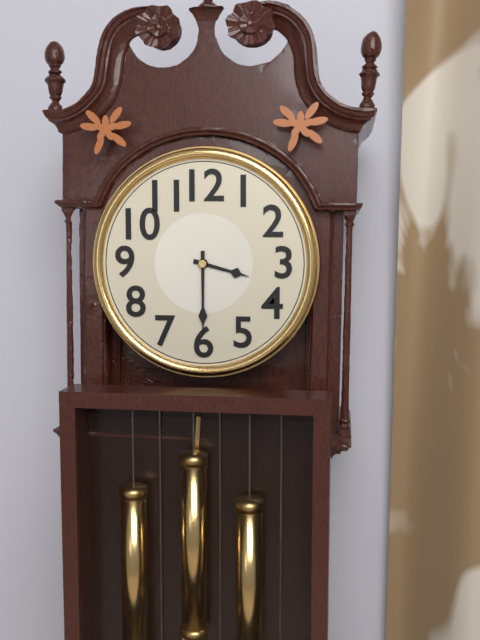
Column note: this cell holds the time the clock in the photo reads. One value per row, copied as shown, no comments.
3:30
